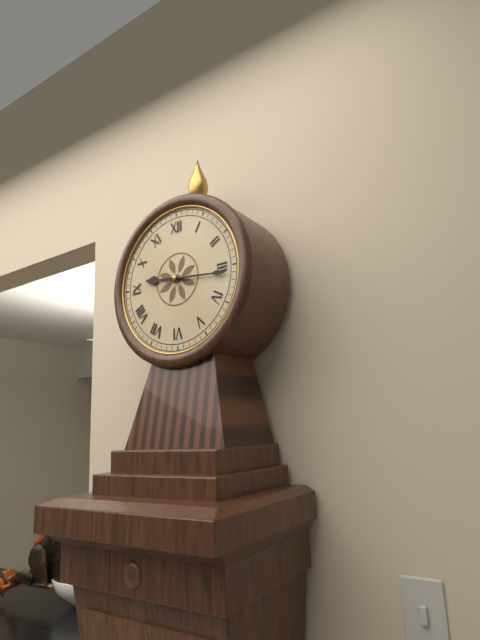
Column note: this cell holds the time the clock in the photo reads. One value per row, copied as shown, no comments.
9:16
